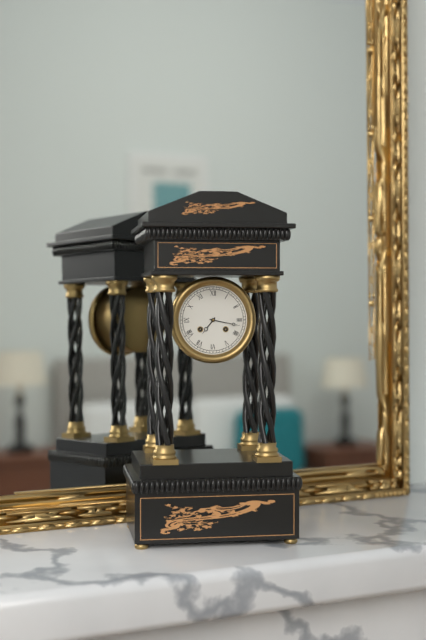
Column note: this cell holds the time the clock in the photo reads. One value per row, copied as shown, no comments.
7:17
